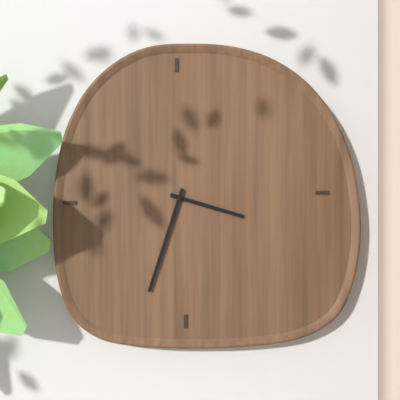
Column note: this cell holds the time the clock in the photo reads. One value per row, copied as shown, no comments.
3:33
